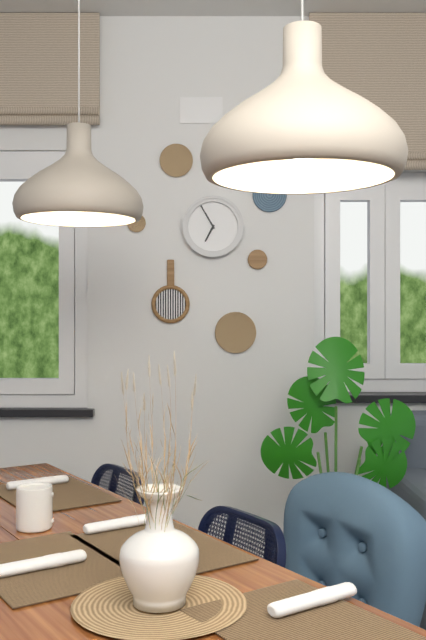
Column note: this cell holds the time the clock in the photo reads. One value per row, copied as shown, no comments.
6:55
